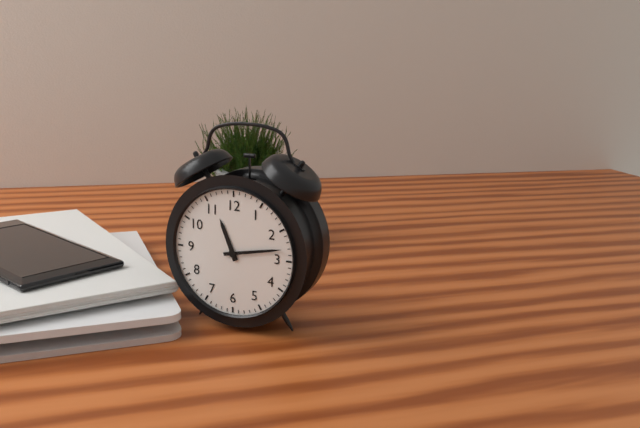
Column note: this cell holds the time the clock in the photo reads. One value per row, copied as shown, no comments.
11:13
